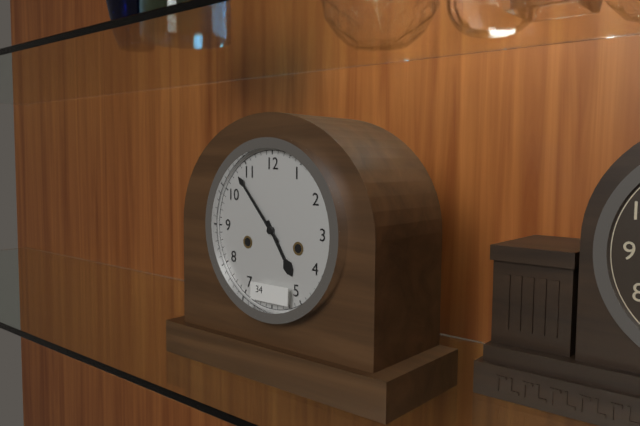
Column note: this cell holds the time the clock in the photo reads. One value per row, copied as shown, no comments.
4:53
